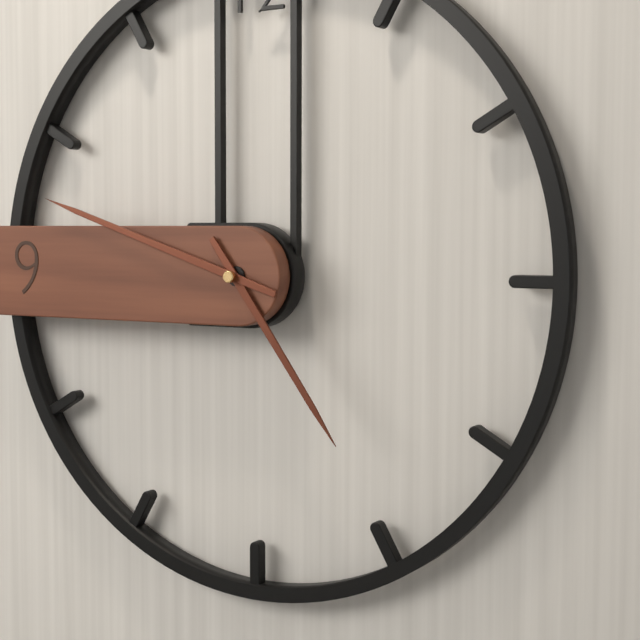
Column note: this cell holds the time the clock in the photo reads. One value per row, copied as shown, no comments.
4:48
